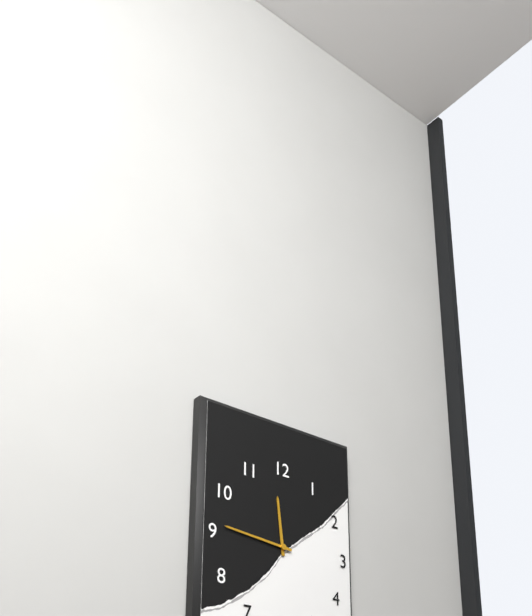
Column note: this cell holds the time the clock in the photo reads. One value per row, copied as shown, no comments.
11:46
